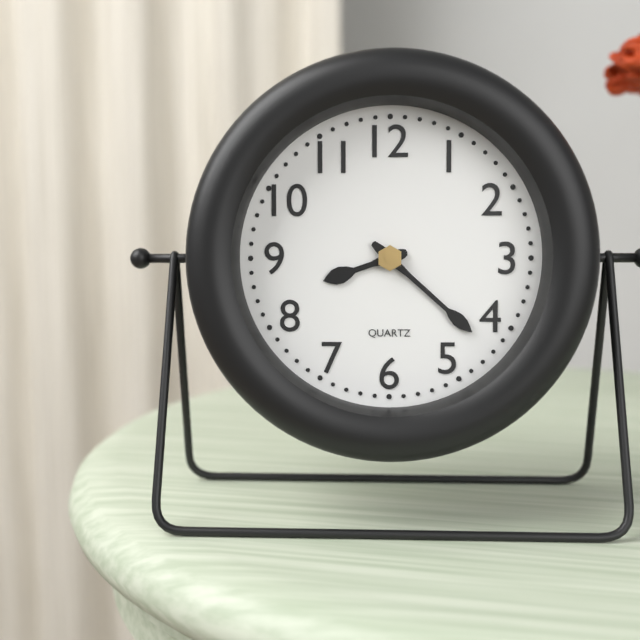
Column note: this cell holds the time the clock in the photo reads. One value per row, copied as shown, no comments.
8:22
